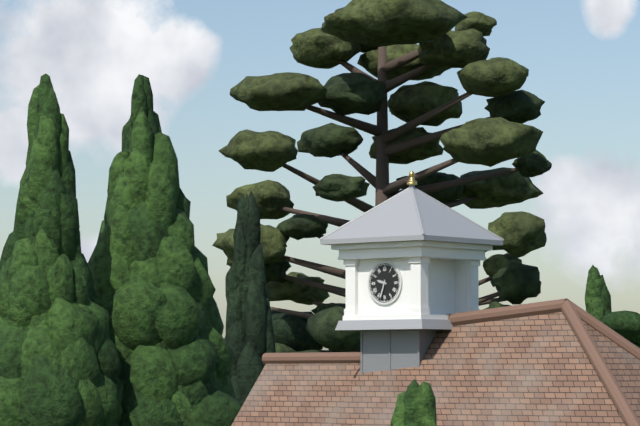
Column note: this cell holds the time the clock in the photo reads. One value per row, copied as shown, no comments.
9:33
